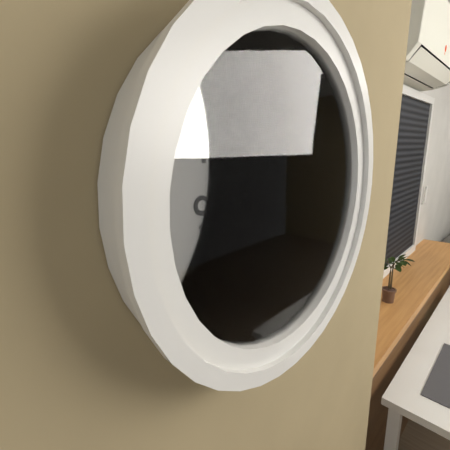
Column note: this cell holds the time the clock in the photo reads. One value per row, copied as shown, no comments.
6:46
